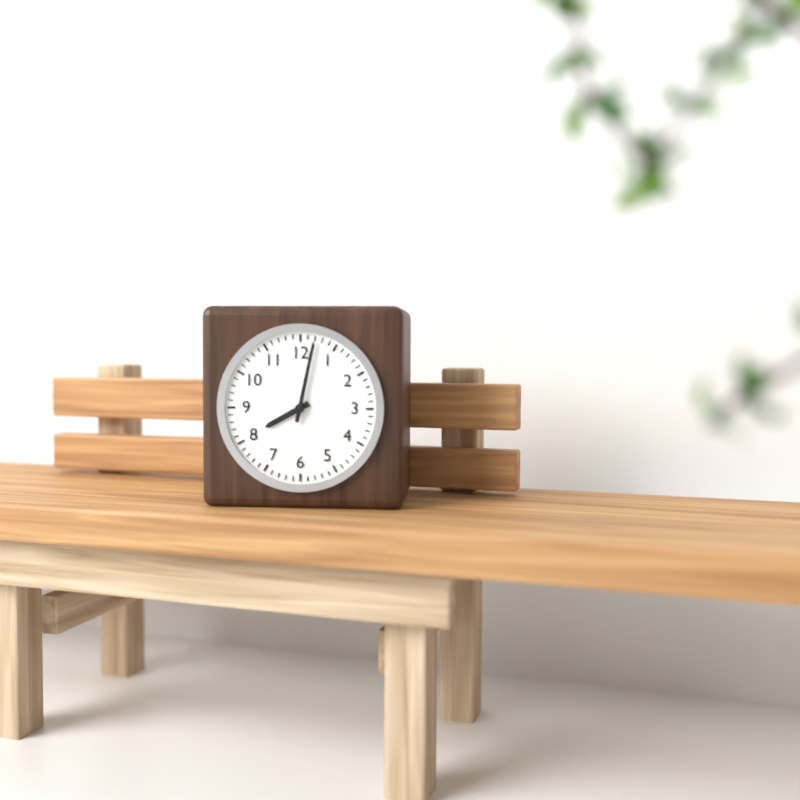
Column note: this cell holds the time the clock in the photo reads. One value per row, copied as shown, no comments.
8:02
